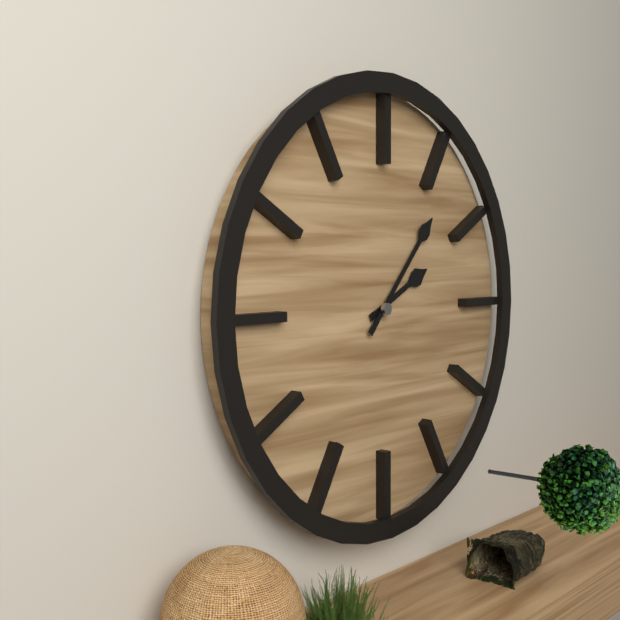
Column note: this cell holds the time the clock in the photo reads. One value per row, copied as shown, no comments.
2:07
